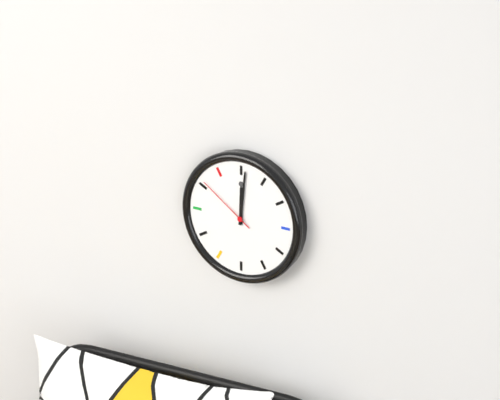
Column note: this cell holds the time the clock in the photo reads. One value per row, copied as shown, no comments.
12:01:51
